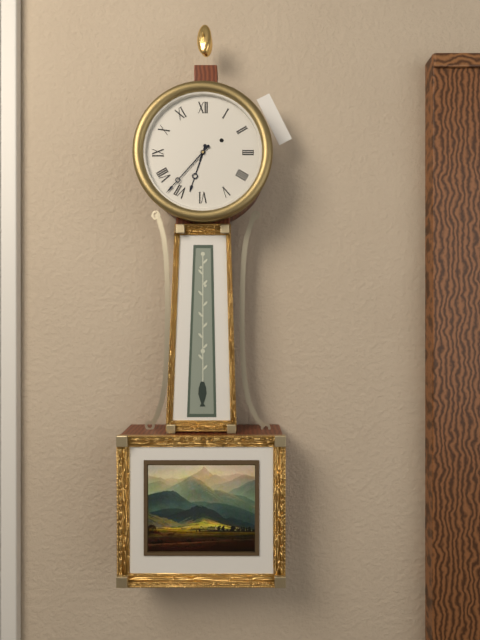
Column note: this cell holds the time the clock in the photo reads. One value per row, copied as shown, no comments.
6:37
